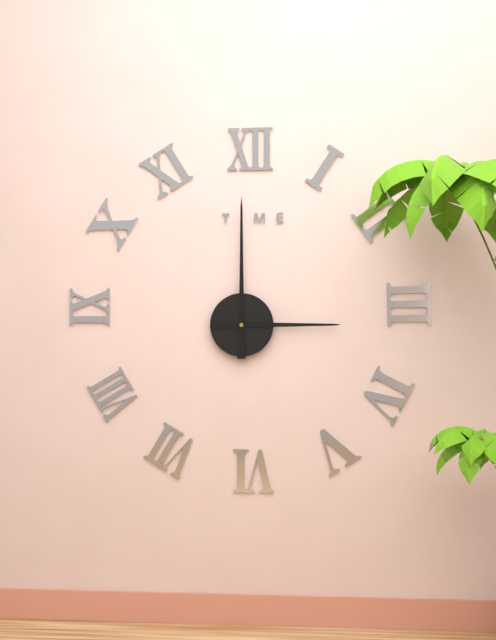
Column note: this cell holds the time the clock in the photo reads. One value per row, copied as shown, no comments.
3:00
